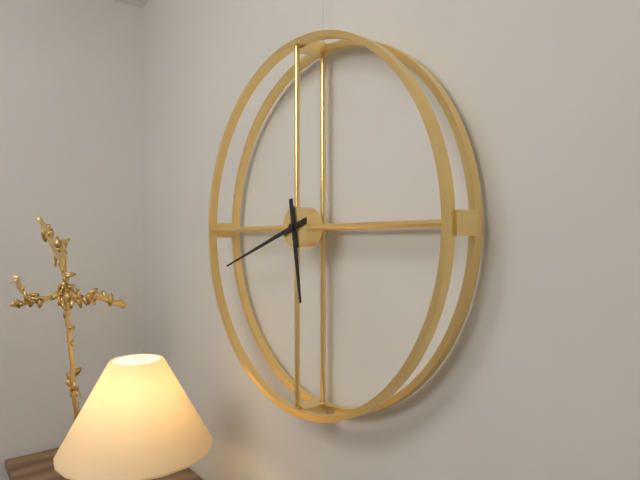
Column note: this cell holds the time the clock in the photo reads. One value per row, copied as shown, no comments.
5:42
